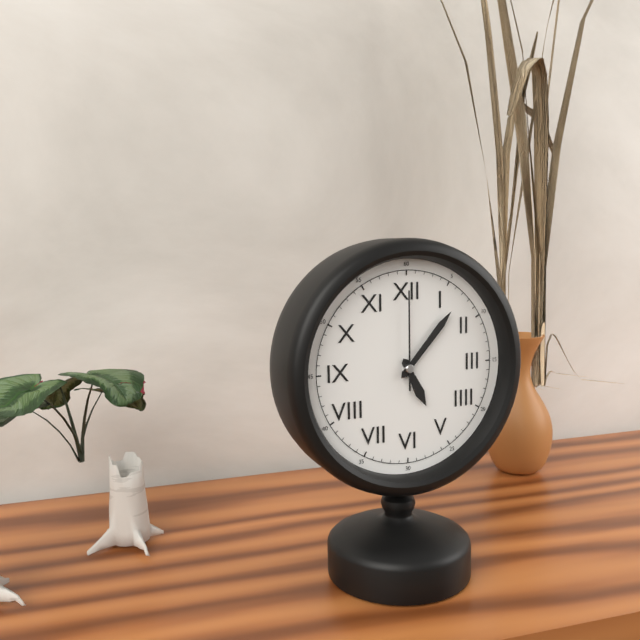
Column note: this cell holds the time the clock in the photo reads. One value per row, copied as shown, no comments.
5:07:00
